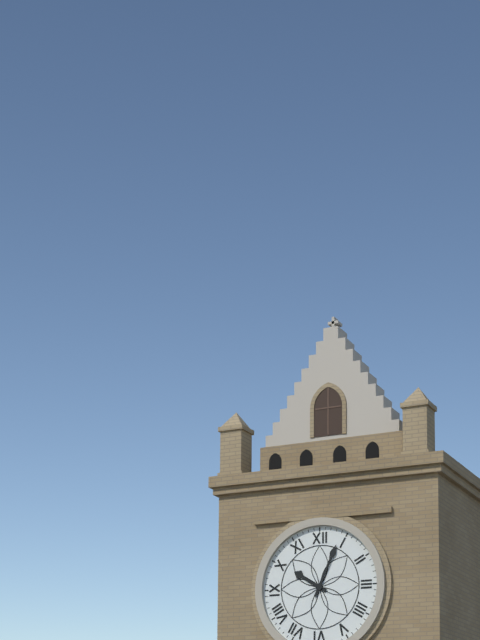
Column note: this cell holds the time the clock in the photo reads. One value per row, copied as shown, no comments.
10:04
